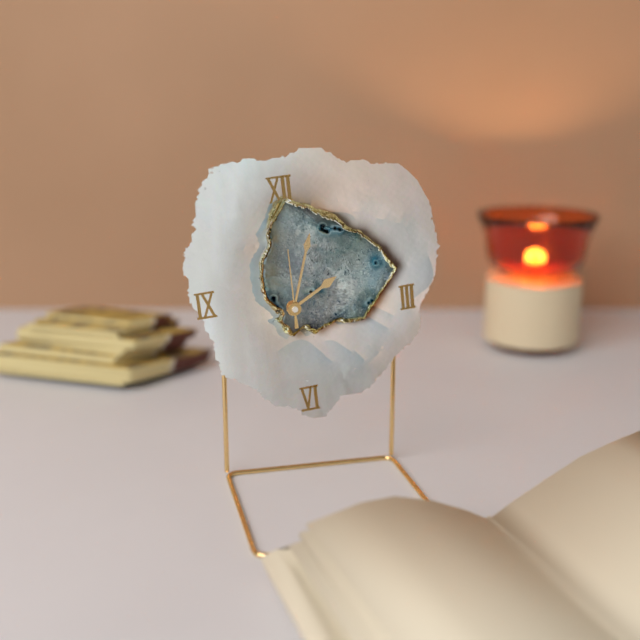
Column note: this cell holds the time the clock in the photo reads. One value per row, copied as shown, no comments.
2:03:00
